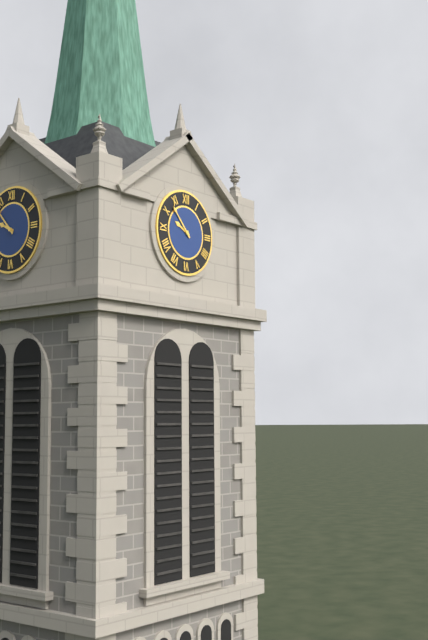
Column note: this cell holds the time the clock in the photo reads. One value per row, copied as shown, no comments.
9:53
